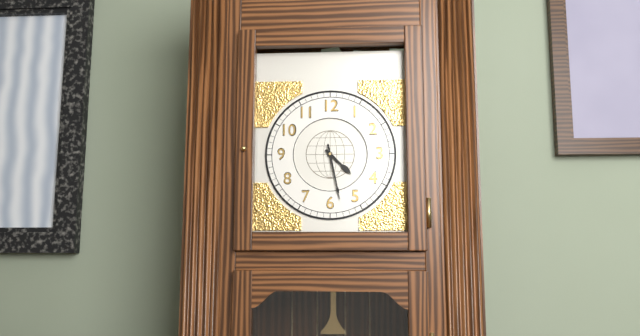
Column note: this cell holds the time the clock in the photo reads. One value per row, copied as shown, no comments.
4:28
